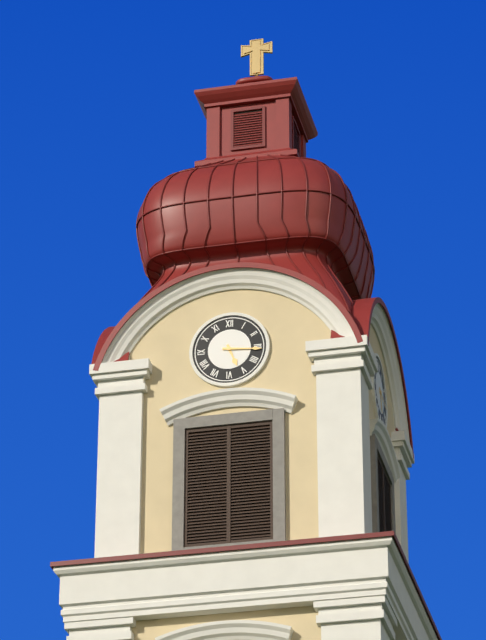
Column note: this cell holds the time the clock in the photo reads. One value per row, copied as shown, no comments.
5:16
